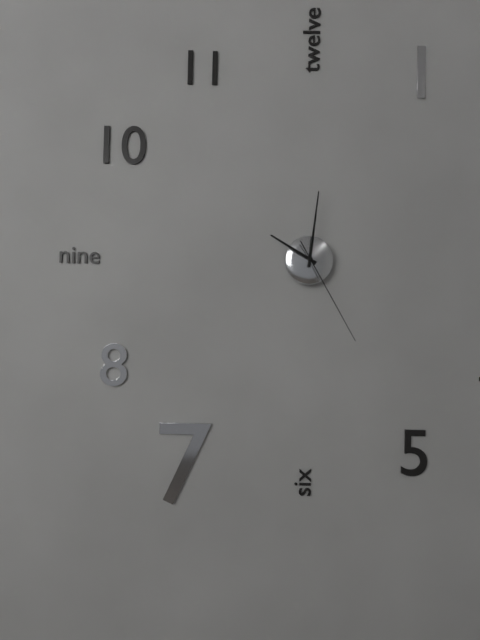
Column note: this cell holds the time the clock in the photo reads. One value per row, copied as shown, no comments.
10:01:25
